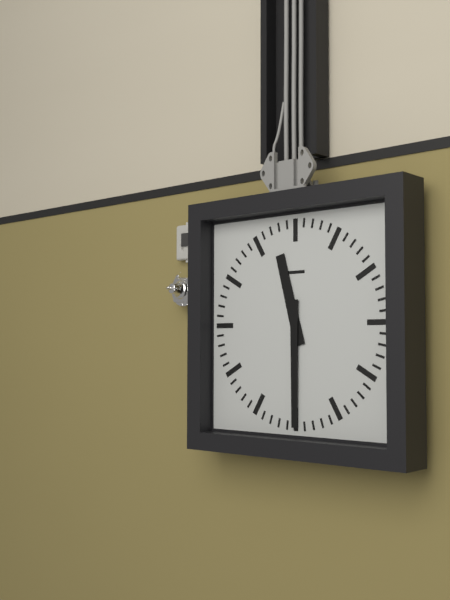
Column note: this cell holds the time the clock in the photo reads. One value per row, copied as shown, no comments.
11:30
